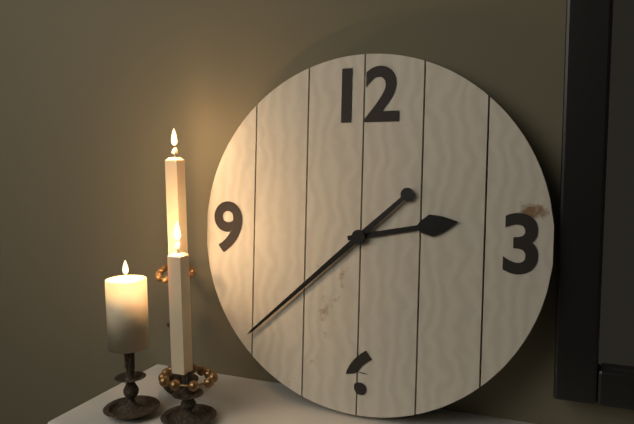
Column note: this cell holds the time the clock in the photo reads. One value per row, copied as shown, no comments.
2:38
